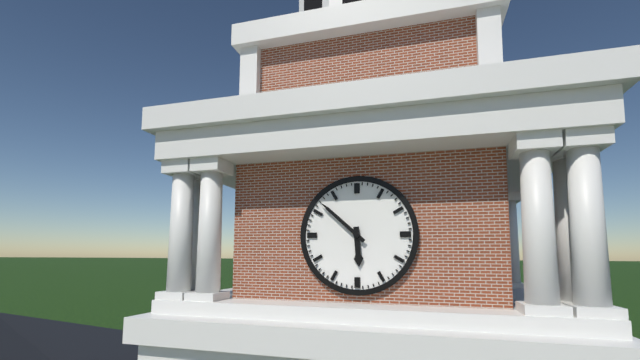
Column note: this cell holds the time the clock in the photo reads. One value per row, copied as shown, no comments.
5:52
